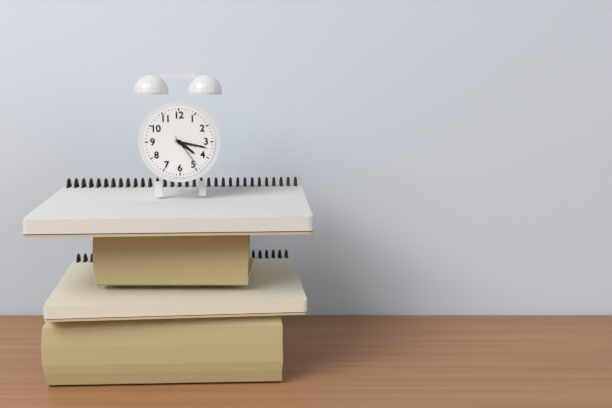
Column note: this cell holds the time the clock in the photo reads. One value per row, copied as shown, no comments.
4:17
